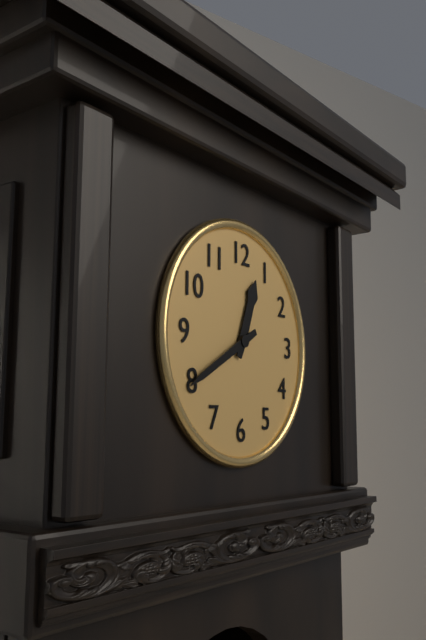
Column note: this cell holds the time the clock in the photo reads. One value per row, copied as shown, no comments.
12:40
